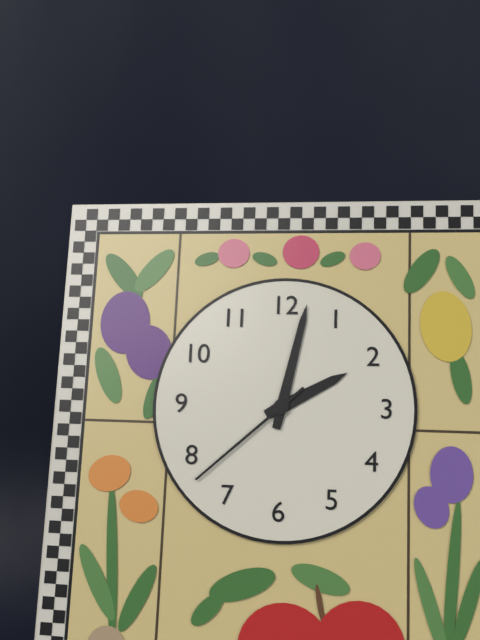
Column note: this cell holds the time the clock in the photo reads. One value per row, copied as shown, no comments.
2:02:38
